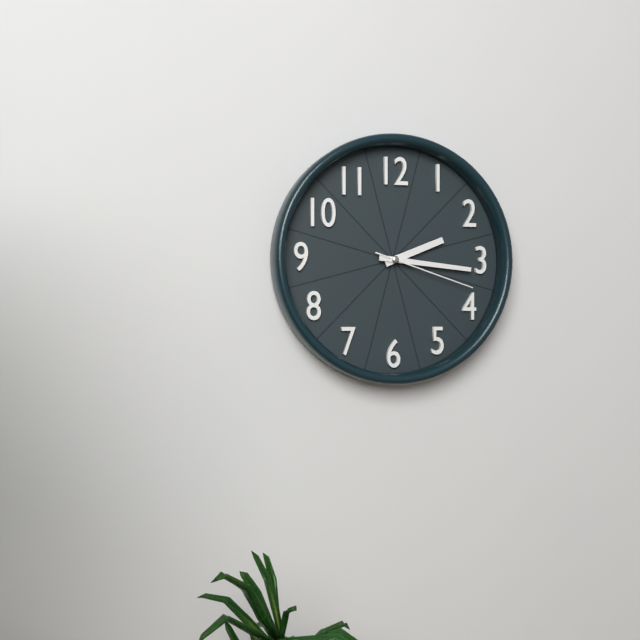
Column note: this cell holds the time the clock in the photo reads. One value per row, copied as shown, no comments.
2:16:18
